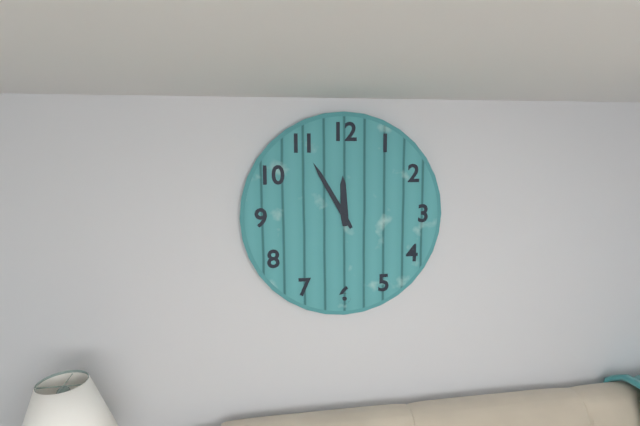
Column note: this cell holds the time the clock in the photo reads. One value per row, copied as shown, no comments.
11:55
